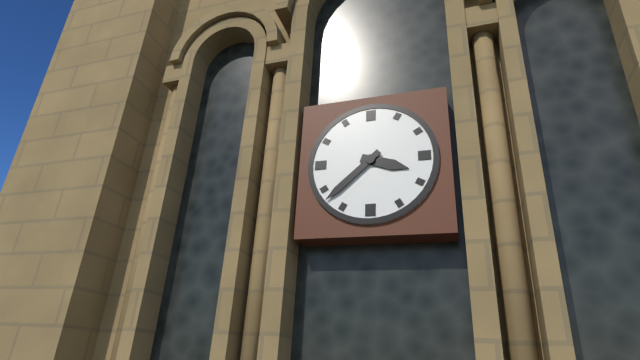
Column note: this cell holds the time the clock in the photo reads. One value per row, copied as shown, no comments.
3:38
